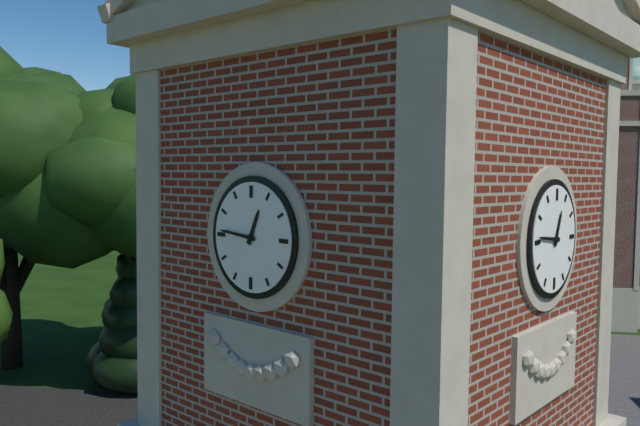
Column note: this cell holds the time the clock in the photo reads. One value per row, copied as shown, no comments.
12:46
